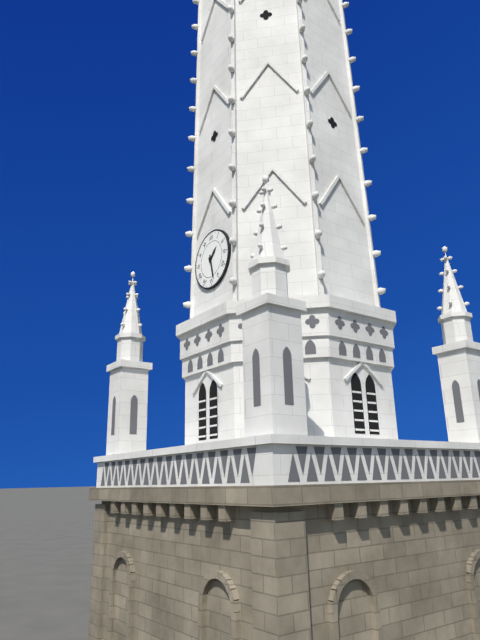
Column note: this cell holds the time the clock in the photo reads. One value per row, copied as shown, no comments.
1:28
